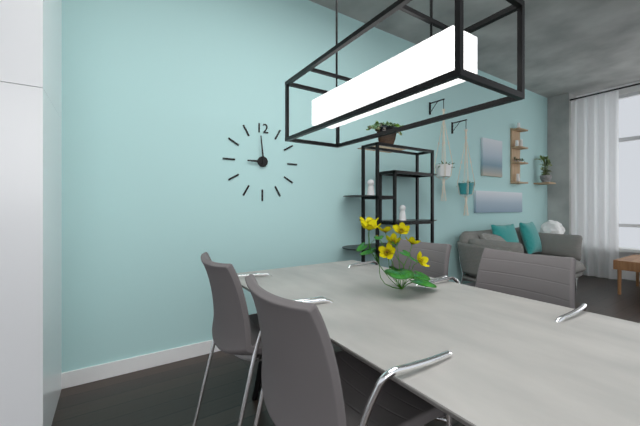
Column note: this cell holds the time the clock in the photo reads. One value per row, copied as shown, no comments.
8:59
